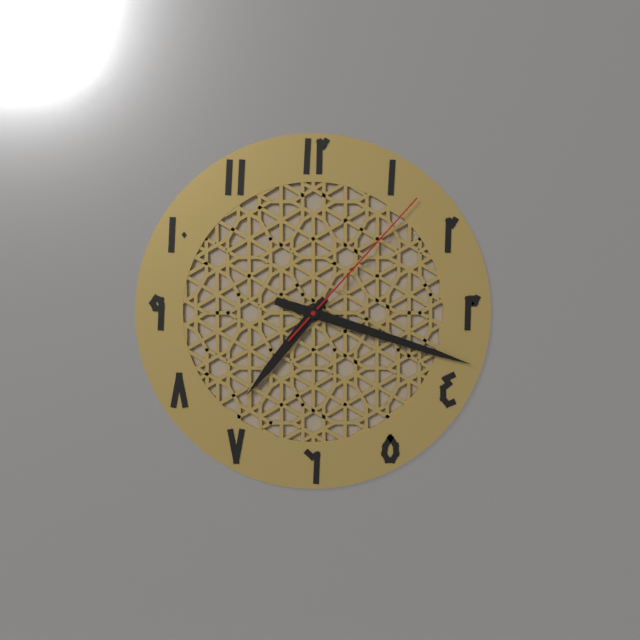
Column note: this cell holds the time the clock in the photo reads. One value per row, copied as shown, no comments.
7:18:07
